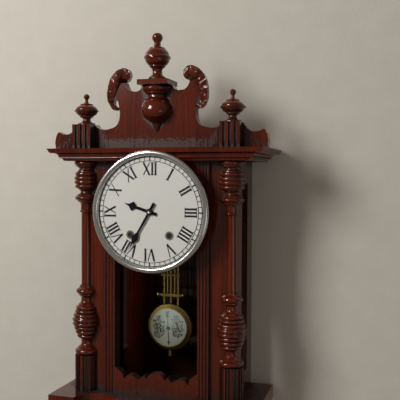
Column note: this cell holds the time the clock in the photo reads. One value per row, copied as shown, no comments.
9:35
